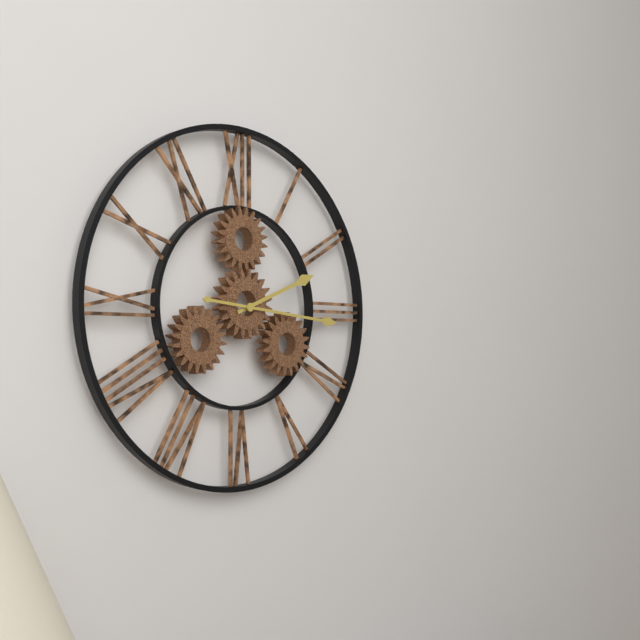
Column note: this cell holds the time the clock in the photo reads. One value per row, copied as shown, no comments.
2:16
